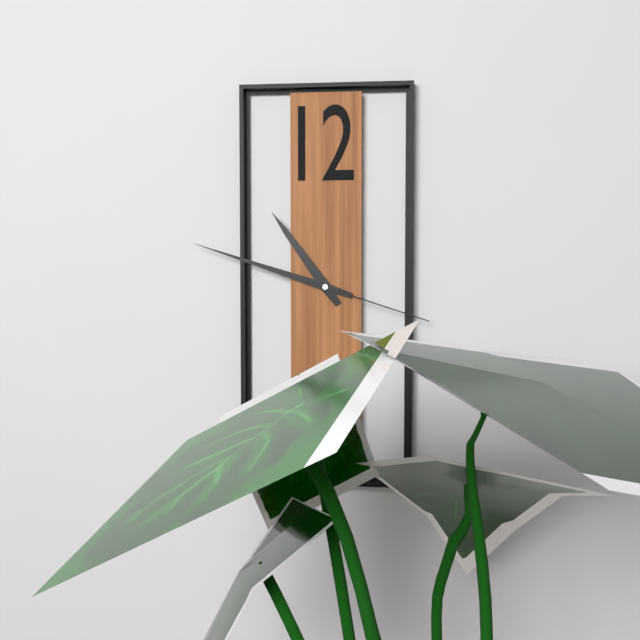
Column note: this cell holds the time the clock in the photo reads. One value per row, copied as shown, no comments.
10:48:18
